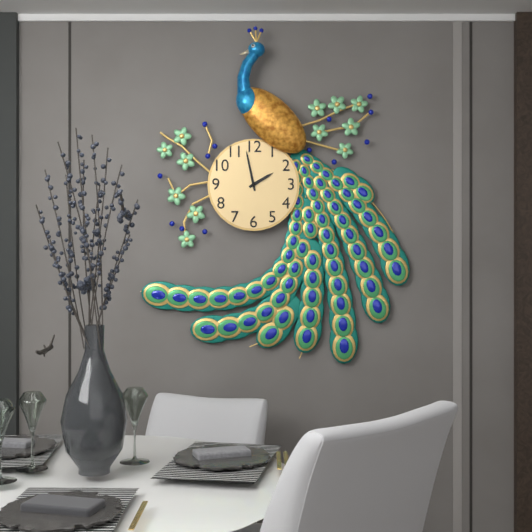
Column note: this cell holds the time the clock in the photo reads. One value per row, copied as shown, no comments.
1:58
